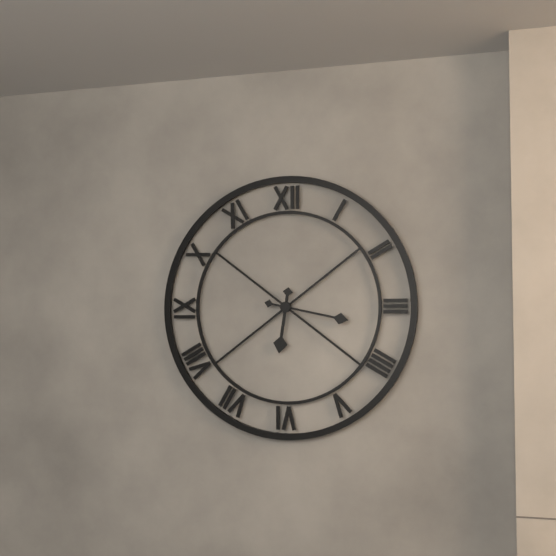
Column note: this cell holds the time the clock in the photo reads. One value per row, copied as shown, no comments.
6:17
